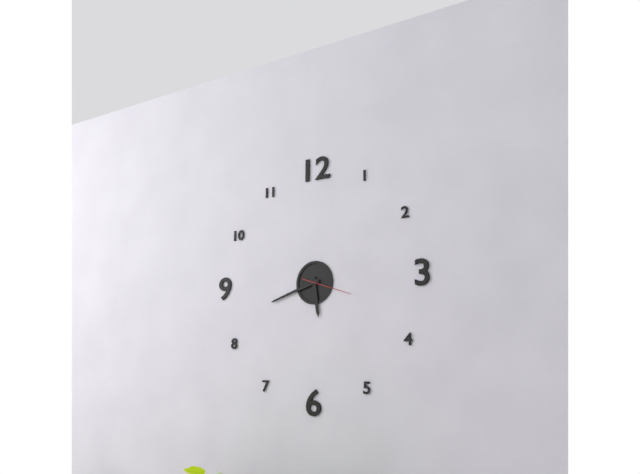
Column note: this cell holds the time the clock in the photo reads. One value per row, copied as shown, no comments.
5:42
